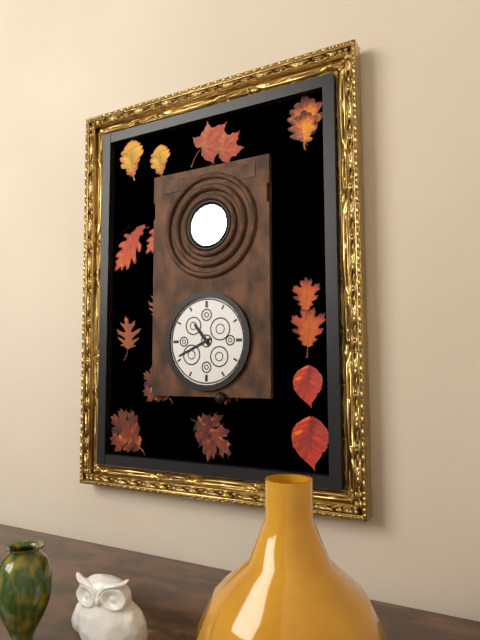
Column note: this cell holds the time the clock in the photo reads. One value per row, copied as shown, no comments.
10:41
